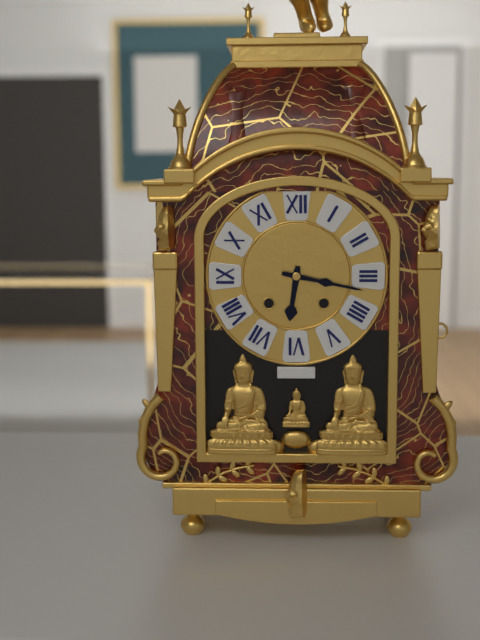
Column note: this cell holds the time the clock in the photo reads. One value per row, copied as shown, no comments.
6:17
